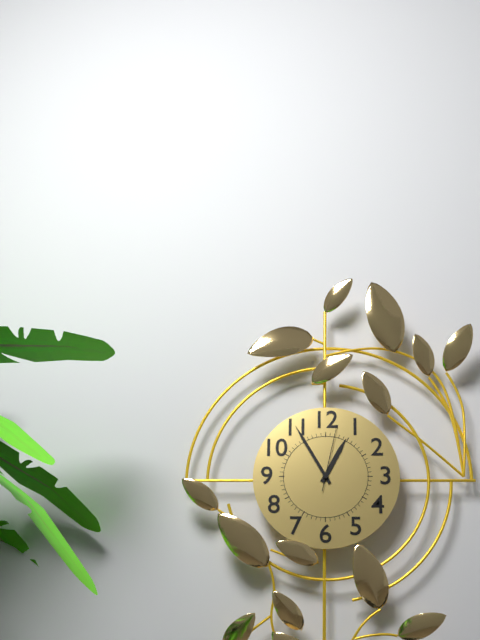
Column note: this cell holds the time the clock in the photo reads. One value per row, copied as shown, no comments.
12:55:02
